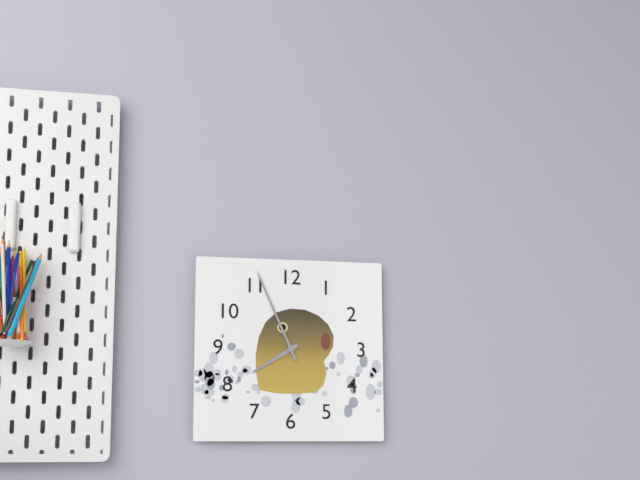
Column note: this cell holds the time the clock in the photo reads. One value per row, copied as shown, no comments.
7:56
